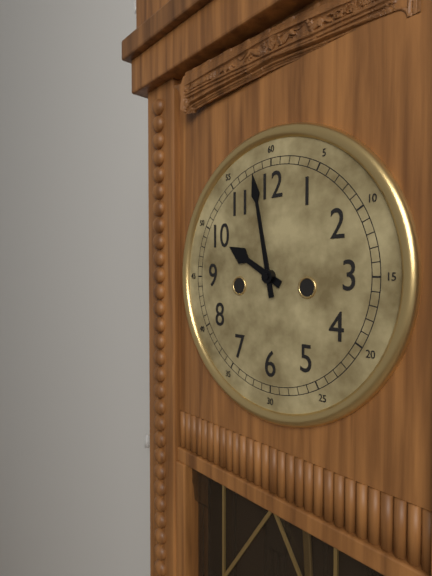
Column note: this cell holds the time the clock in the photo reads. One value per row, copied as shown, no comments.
9:58
